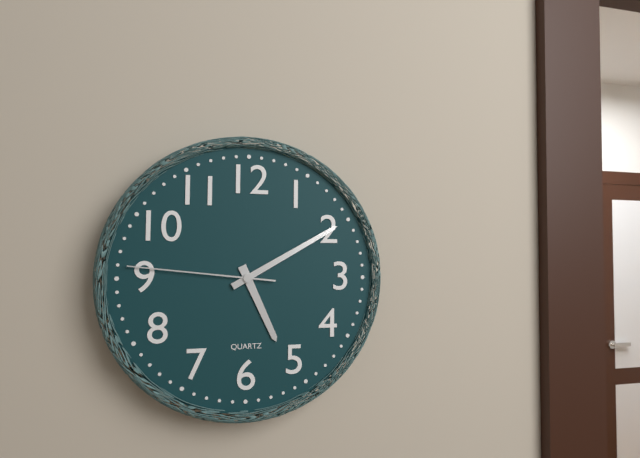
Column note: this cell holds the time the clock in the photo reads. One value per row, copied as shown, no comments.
5:10:46
